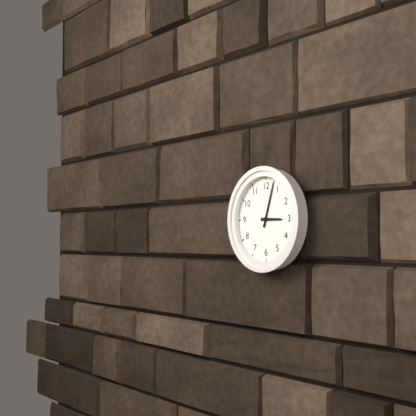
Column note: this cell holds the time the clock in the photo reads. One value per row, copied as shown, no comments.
3:03
